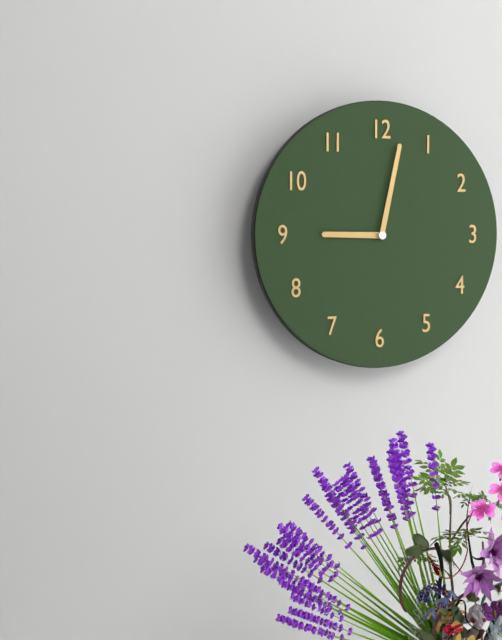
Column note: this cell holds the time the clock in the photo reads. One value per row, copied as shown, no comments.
9:02
